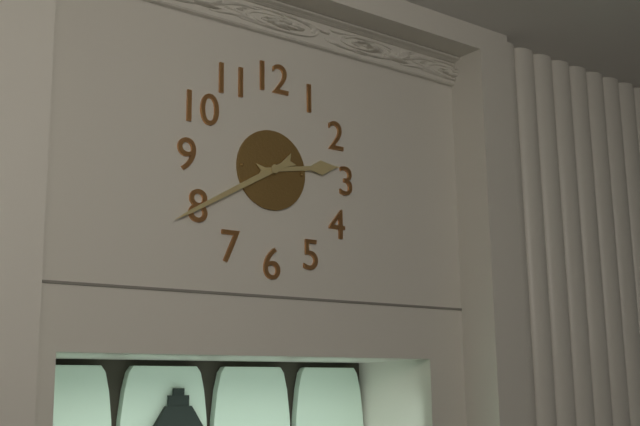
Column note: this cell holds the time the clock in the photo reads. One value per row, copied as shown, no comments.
2:40
